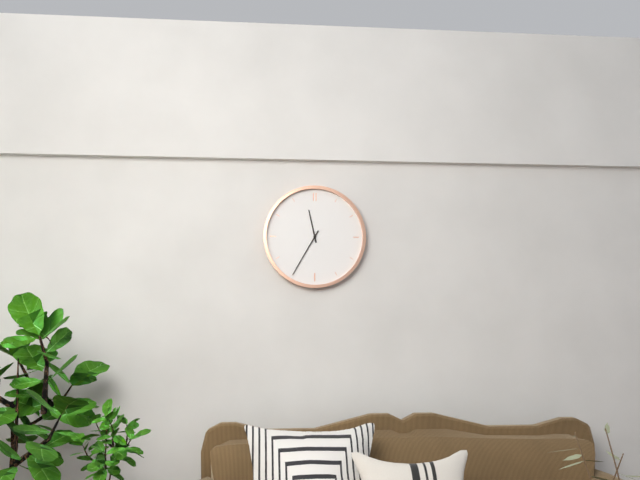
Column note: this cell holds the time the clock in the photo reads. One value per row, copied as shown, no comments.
11:35
